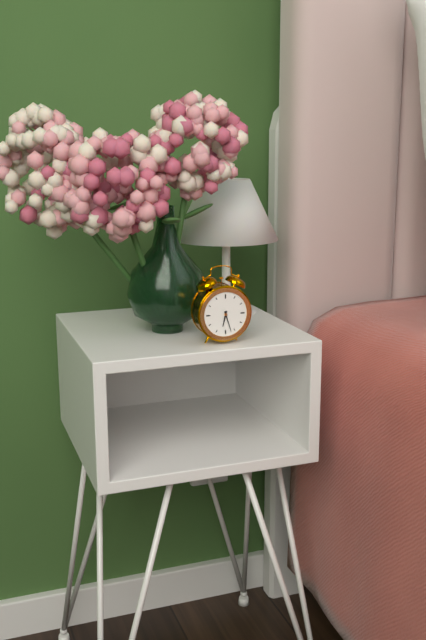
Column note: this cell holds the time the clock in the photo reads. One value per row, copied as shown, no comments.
6:27
